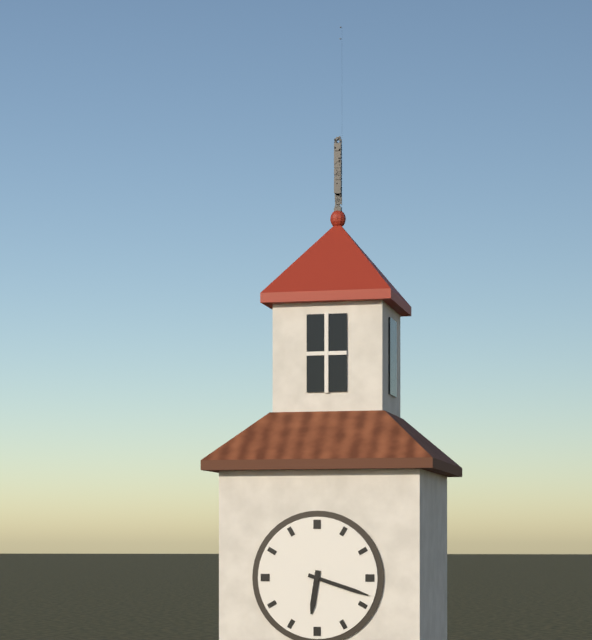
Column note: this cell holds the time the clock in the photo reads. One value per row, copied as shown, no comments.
6:18
